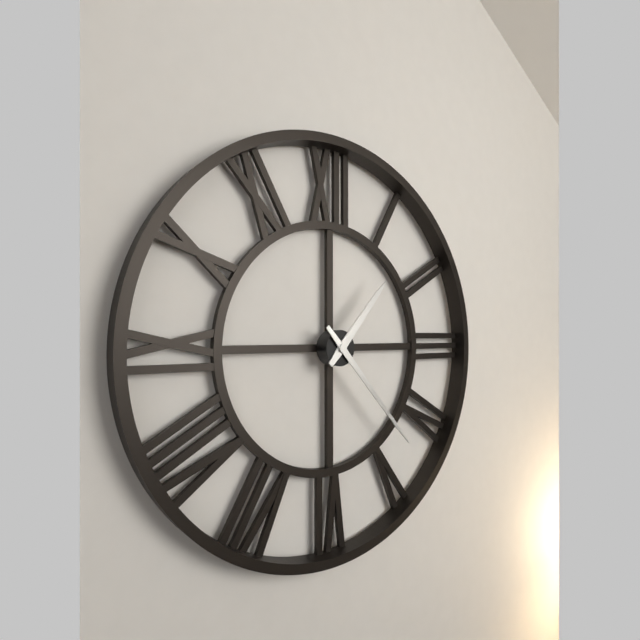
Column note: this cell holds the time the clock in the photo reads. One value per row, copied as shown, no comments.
1:23
